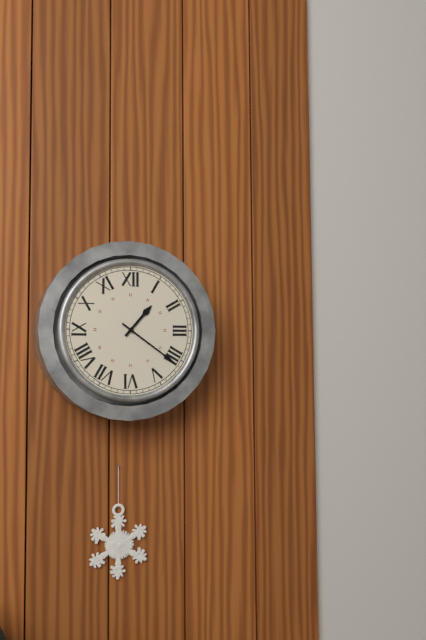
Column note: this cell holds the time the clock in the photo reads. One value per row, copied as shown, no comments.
1:21
